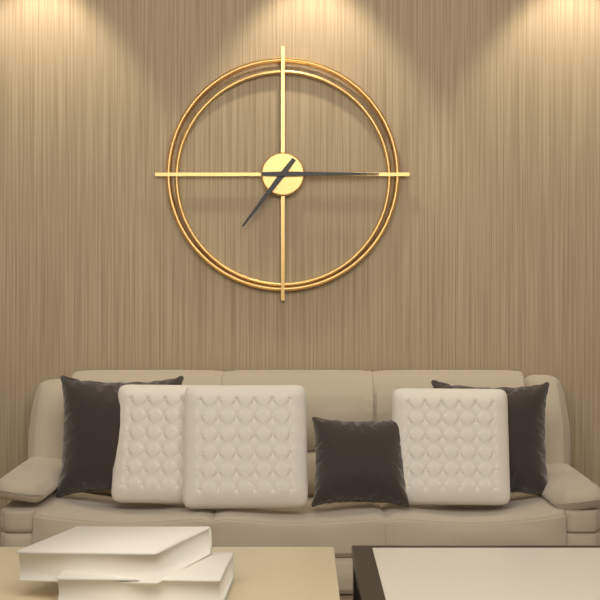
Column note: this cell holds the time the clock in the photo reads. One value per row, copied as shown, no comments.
7:15
